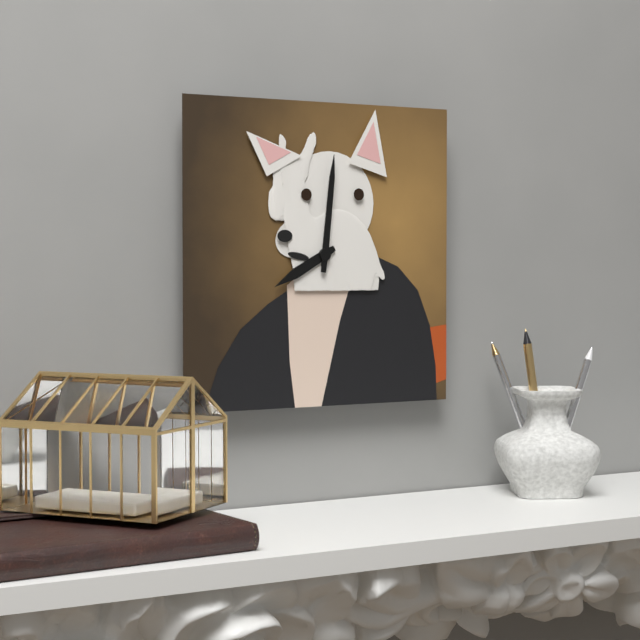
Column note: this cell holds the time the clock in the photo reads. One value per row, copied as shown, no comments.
8:01
